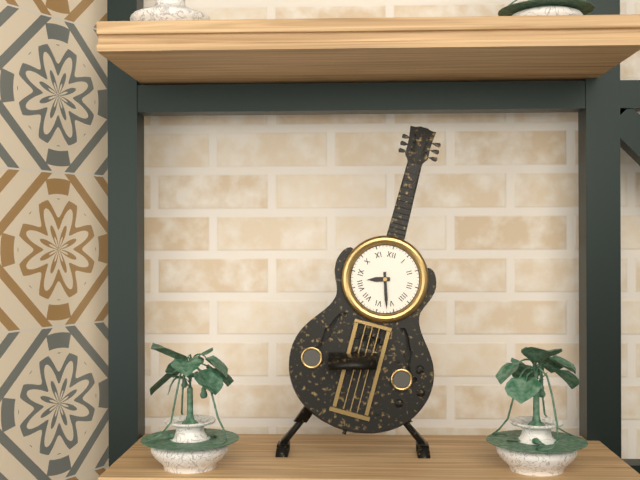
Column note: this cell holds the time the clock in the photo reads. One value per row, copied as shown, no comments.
8:27
